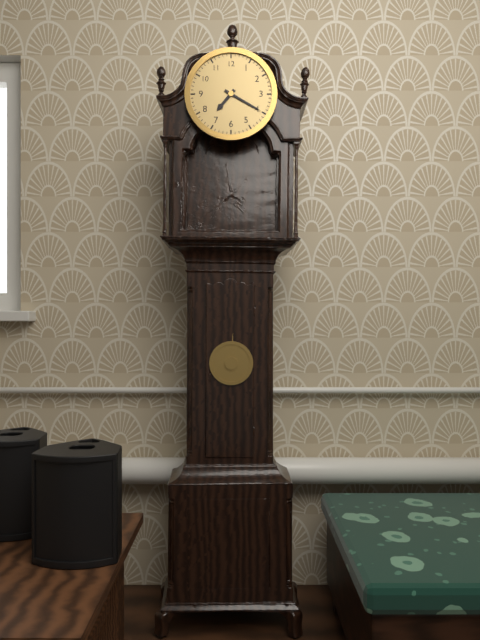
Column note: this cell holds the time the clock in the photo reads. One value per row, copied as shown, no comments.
7:20
